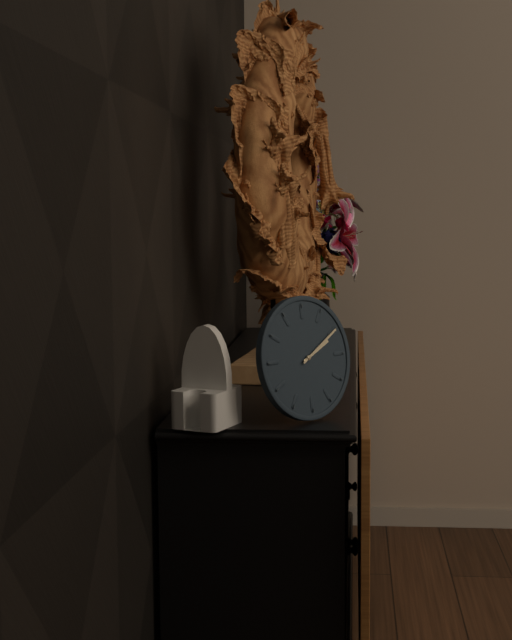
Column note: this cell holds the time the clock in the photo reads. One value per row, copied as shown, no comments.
2:10
